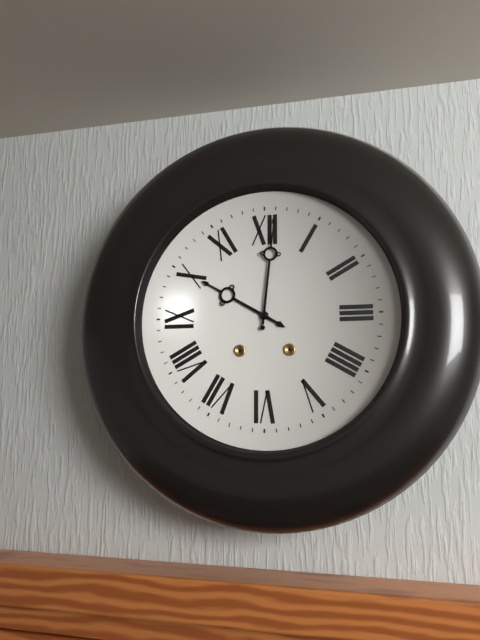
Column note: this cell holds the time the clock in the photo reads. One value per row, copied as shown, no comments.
10:01
